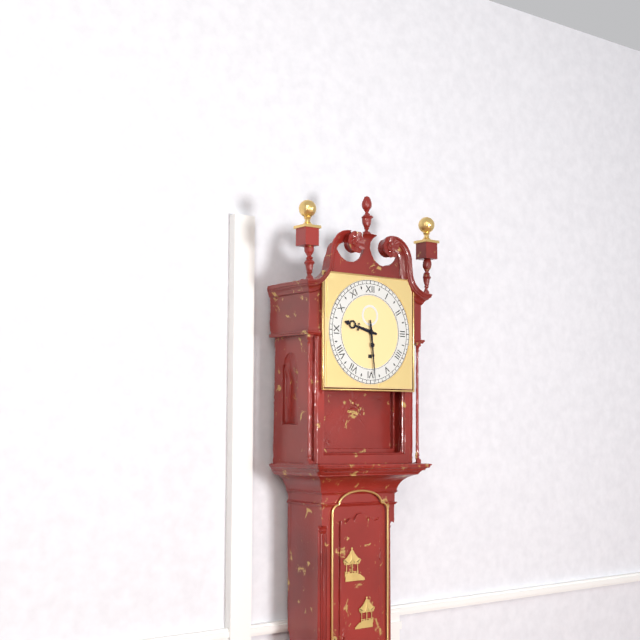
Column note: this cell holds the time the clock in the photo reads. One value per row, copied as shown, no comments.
9:29
